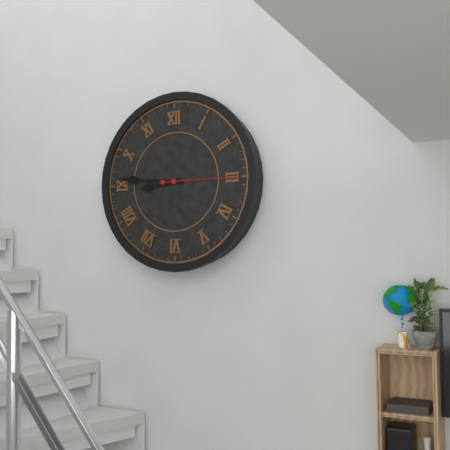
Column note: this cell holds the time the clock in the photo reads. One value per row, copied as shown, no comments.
8:46:15
